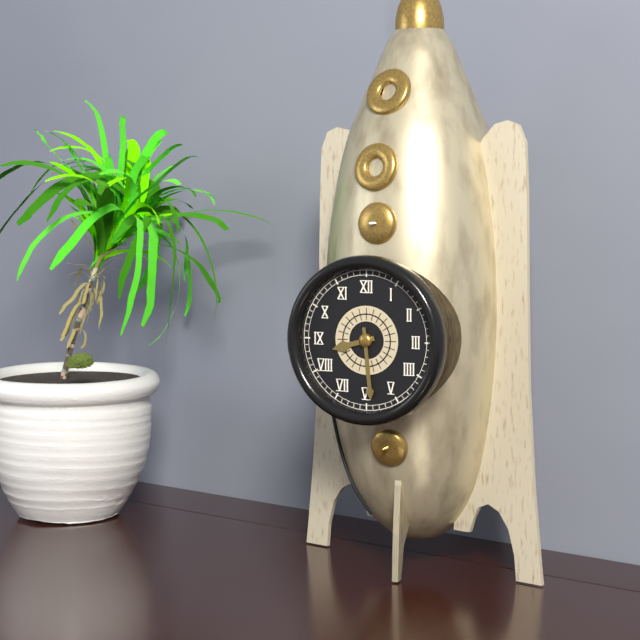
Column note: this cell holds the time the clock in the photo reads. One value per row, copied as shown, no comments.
8:29
